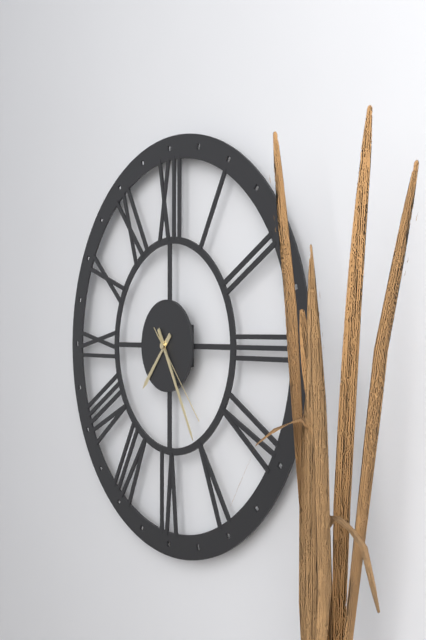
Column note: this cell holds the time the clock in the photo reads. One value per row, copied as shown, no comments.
7:25:23
